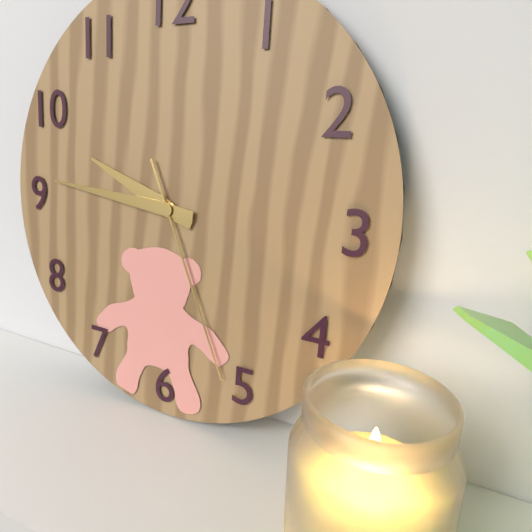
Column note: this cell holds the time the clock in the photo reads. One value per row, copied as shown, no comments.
9:46:26
